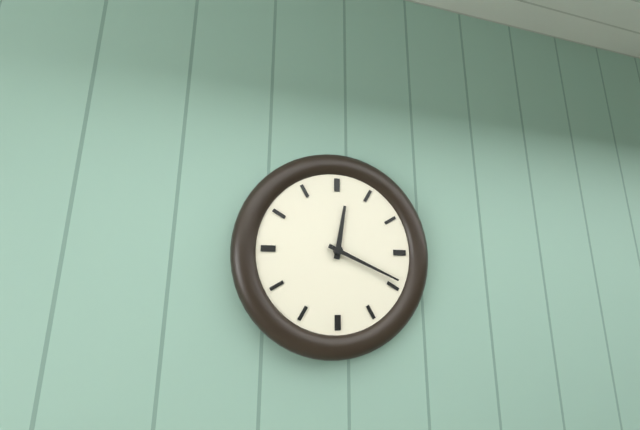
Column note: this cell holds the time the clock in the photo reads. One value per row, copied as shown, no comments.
12:19
